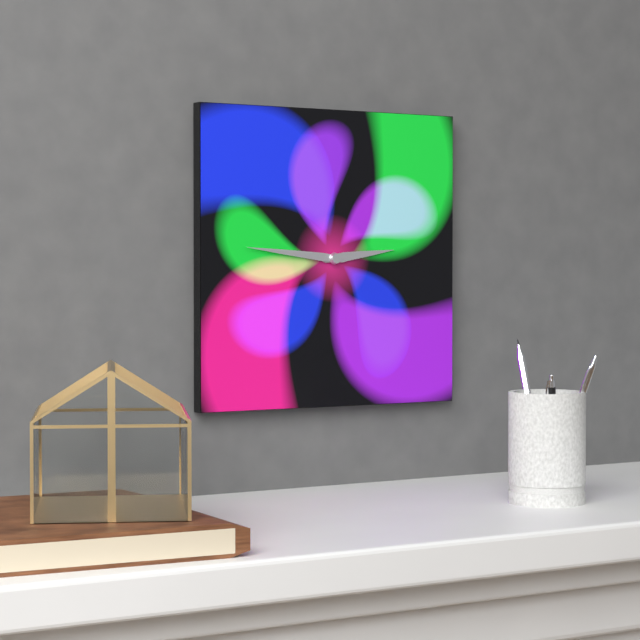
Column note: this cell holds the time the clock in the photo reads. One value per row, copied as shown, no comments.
2:46
